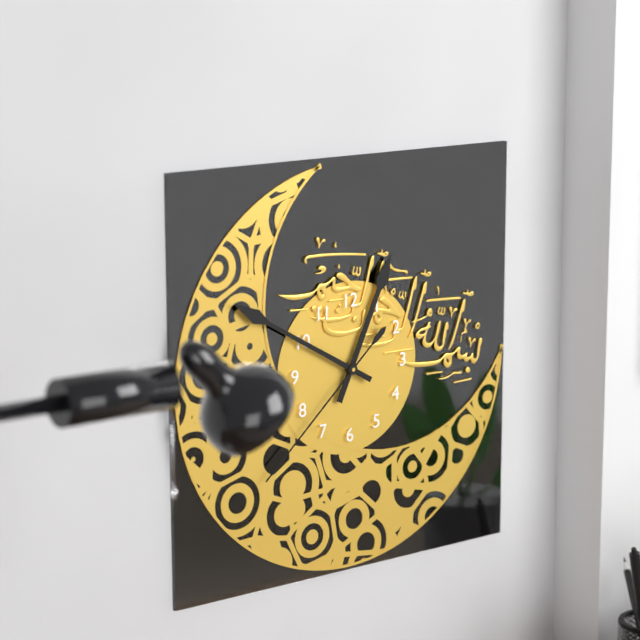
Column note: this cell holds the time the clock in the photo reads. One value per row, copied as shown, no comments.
12:50:38
